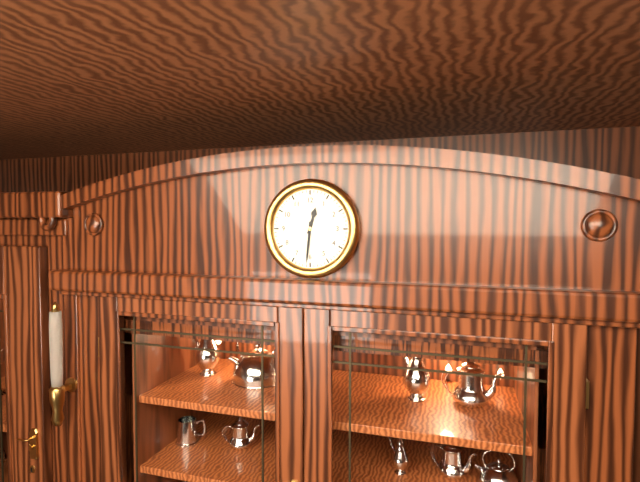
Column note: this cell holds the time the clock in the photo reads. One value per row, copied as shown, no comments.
12:31
